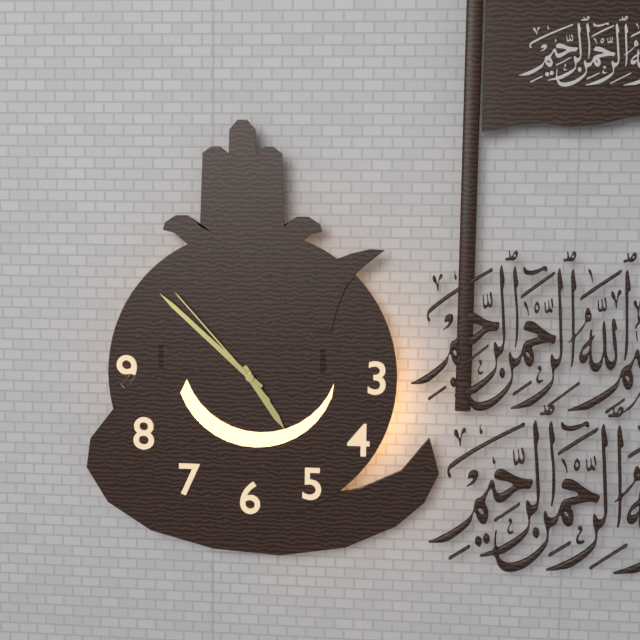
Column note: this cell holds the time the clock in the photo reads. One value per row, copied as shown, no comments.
4:52:53
